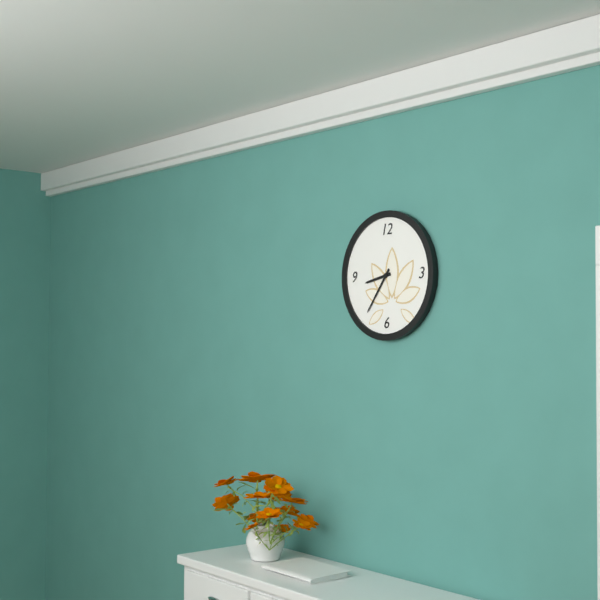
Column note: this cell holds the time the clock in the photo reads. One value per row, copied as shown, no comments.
8:36
